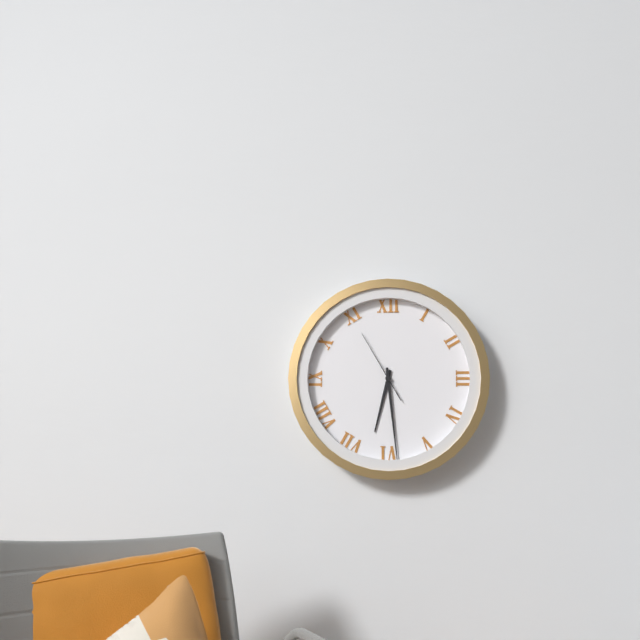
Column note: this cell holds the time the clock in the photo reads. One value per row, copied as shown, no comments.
6:29:55
